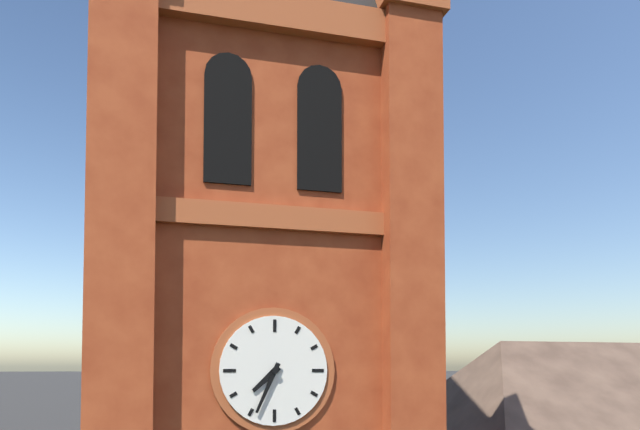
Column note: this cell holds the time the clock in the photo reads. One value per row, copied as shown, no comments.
7:34
